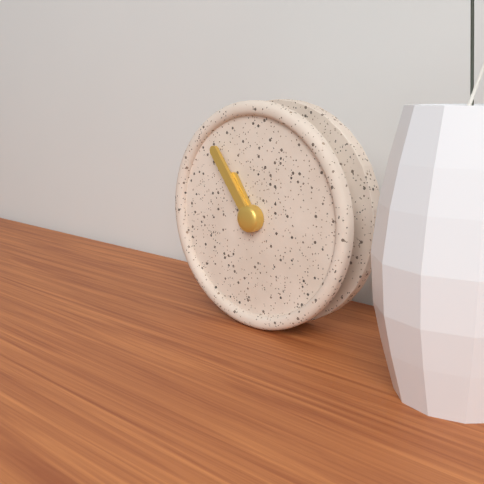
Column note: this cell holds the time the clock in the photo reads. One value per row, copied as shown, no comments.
10:54
